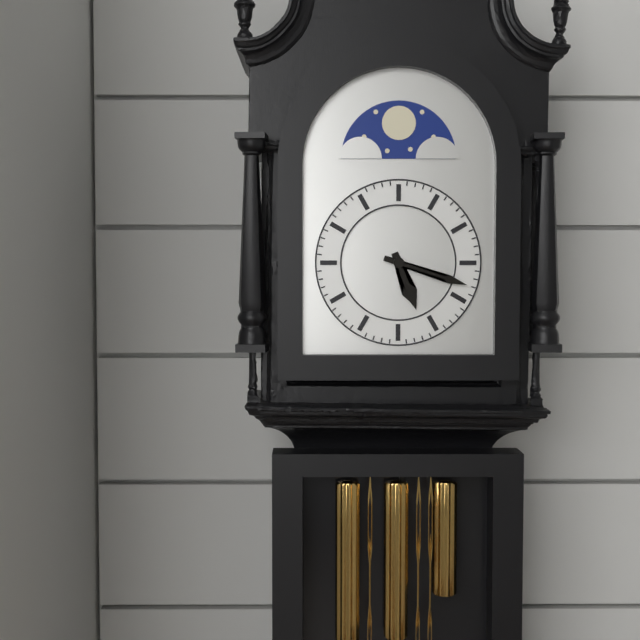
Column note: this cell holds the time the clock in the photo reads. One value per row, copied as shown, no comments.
5:18
